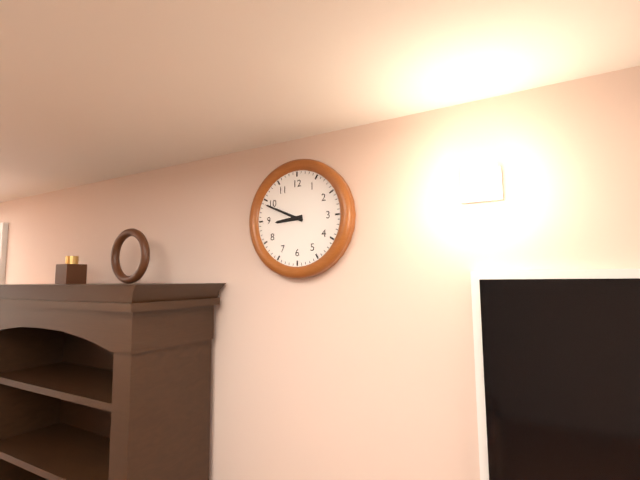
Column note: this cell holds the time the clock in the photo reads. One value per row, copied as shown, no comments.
8:49
